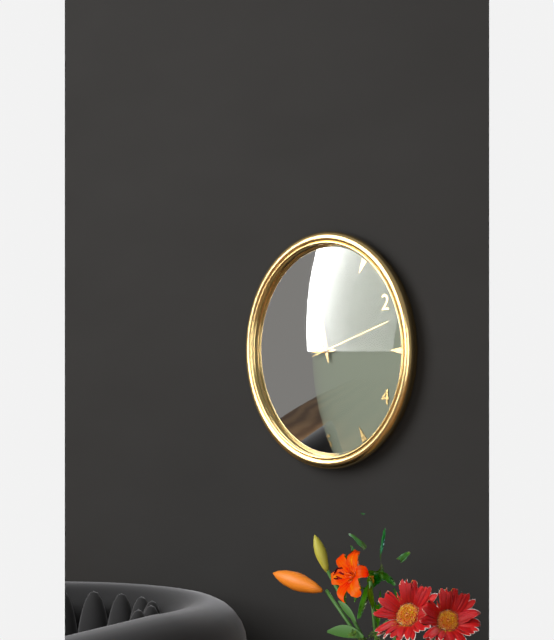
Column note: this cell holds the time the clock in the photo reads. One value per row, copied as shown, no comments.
8:58:12
